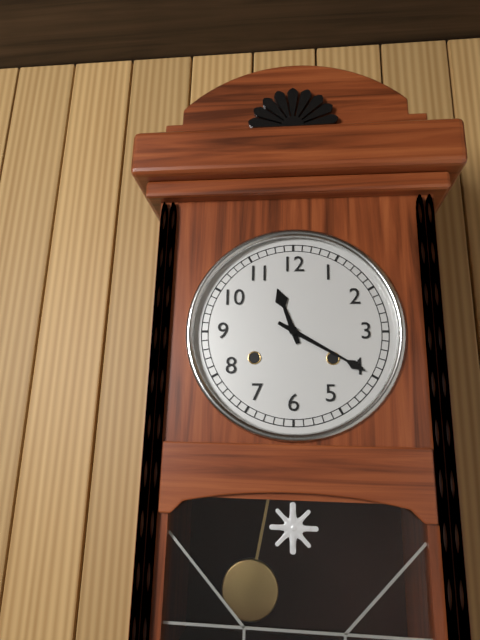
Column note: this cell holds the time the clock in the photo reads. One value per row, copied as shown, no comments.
11:20
